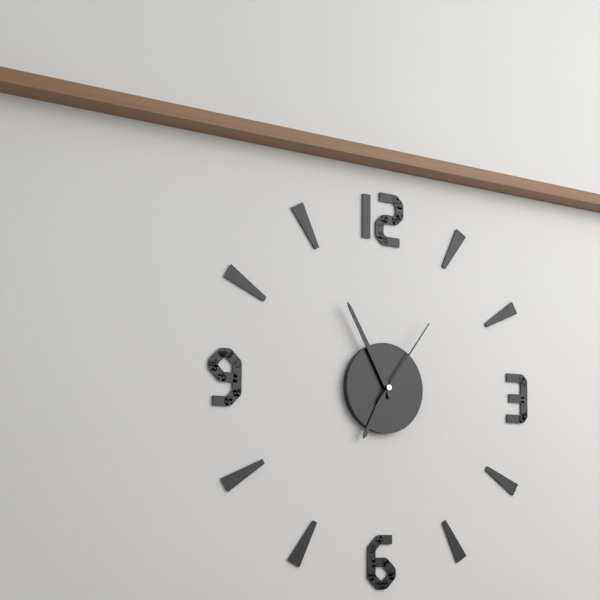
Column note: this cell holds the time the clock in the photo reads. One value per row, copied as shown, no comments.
6:55:06
